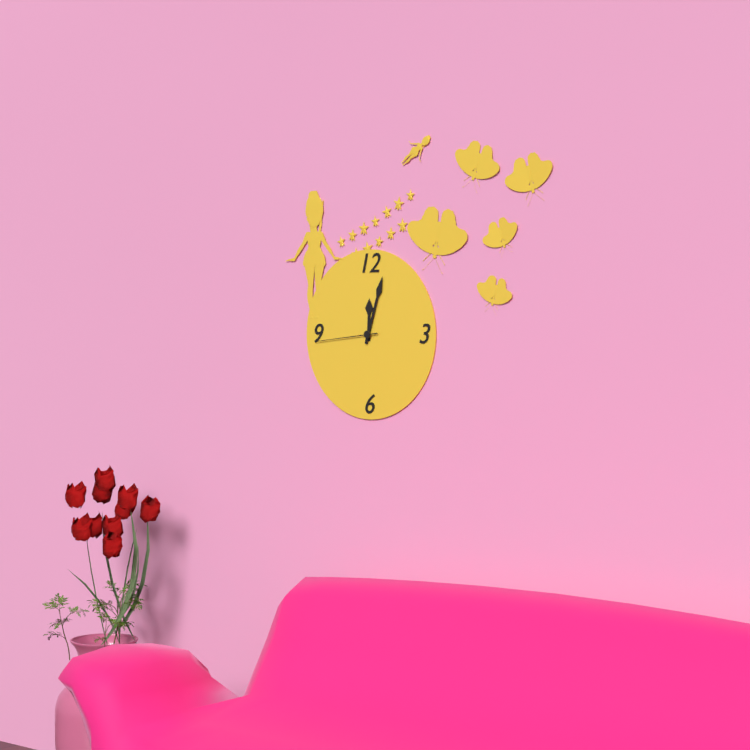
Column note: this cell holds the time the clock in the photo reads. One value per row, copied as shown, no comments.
12:03:44
